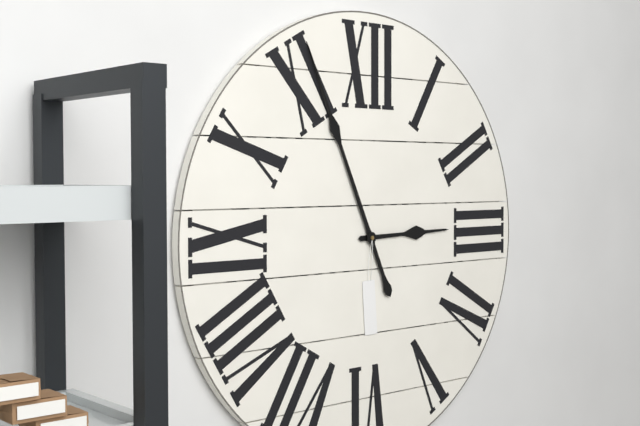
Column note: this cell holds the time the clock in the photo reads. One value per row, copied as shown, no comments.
2:56
